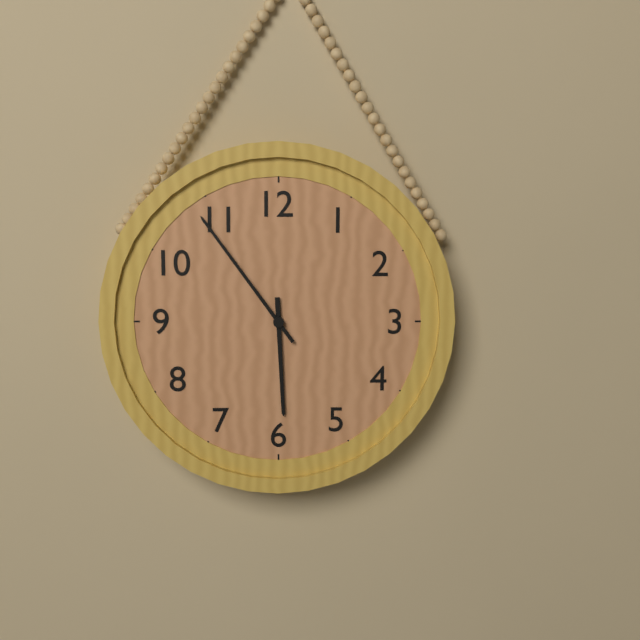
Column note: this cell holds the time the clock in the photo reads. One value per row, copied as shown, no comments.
5:54
